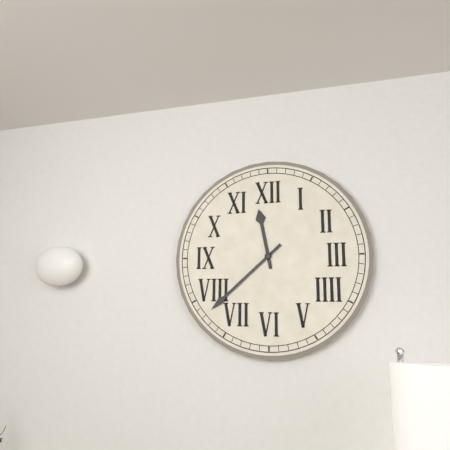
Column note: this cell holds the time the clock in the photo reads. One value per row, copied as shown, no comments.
11:38
